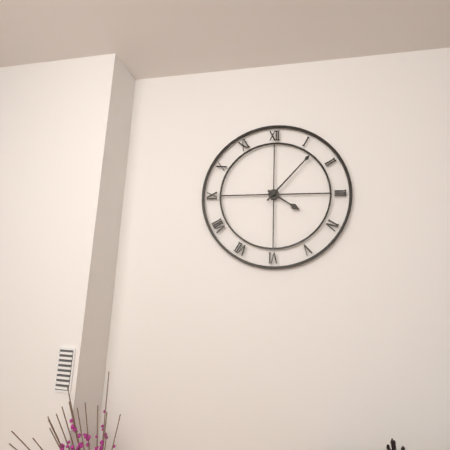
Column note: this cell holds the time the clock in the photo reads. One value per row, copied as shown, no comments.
4:07
